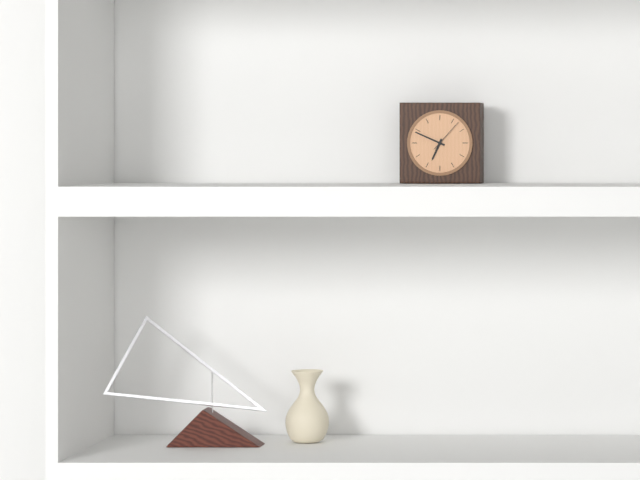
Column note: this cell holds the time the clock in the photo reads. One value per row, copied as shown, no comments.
6:49
